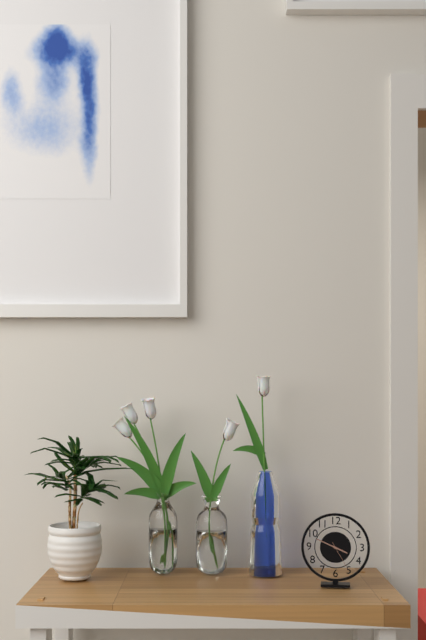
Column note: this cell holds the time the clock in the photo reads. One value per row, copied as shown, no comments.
3:49
